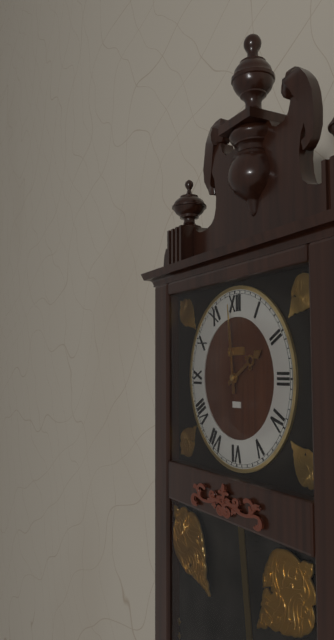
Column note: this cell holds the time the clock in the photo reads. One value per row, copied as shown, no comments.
1:59
